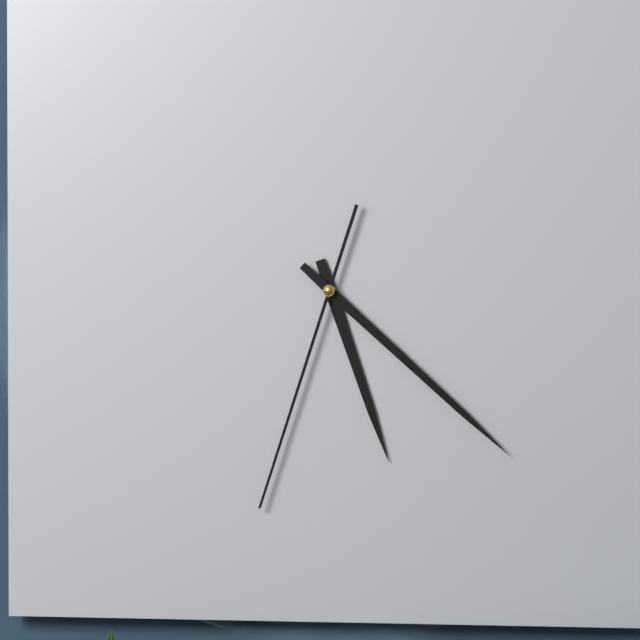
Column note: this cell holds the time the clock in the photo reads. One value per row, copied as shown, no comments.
5:22:33
